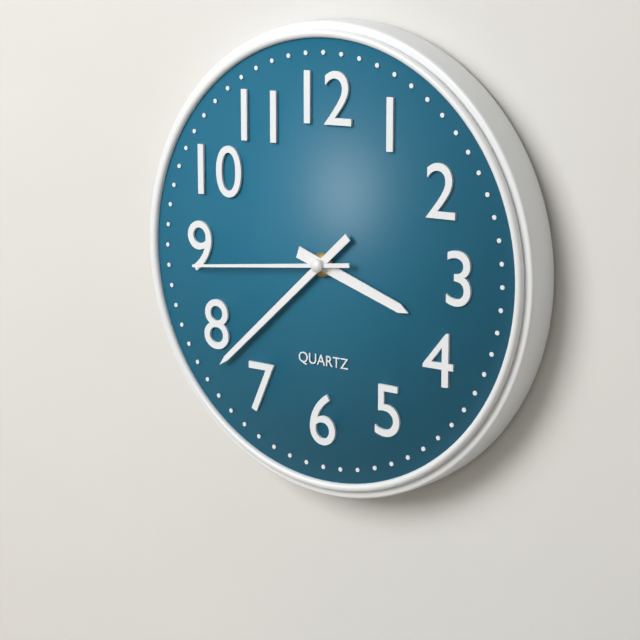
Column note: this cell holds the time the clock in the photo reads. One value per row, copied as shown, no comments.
3:38:44
